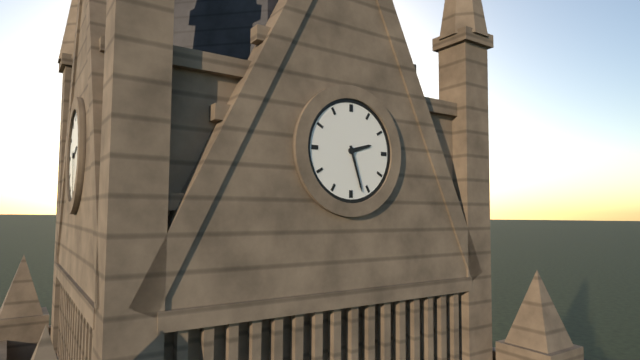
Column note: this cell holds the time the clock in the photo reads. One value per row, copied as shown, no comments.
2:27
